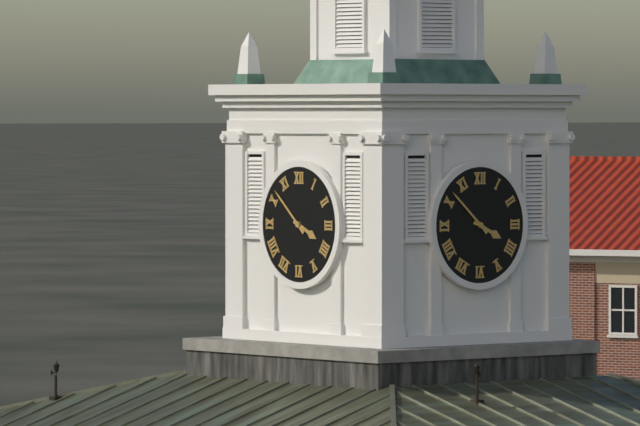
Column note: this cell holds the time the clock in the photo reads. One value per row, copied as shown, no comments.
3:52
